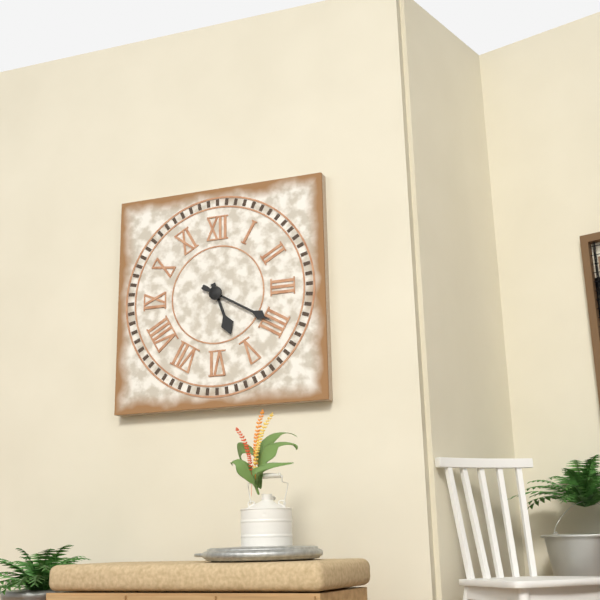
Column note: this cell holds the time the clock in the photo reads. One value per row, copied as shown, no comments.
5:20
